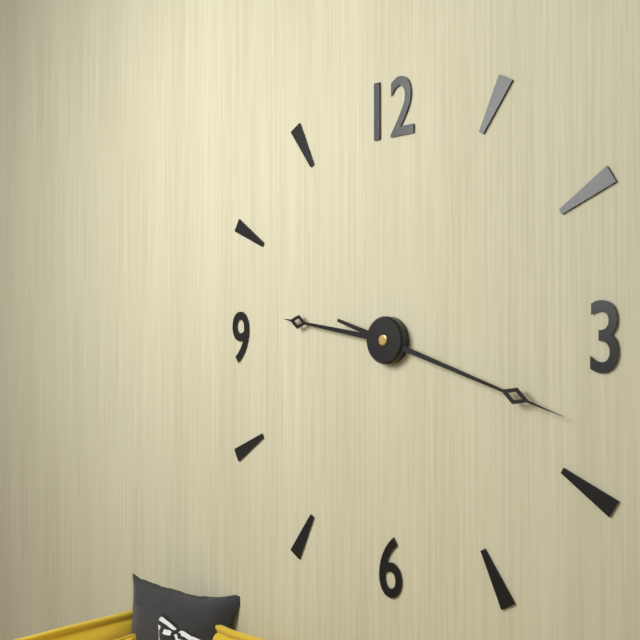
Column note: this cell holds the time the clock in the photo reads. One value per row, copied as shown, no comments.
9:18
